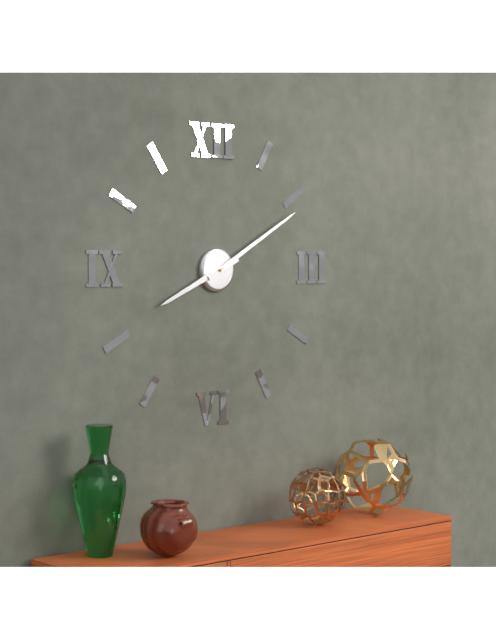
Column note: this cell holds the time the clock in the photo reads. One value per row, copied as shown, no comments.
8:10
